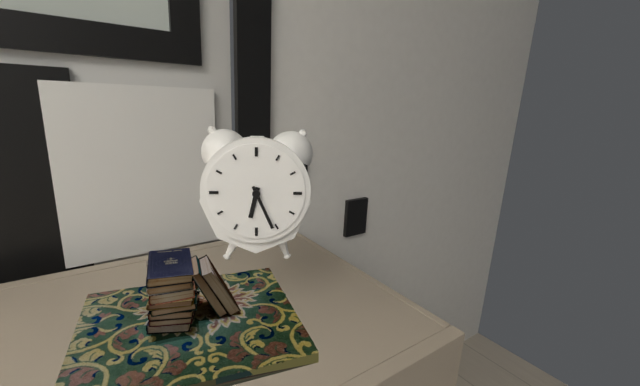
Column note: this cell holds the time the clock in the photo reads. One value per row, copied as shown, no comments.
6:26
